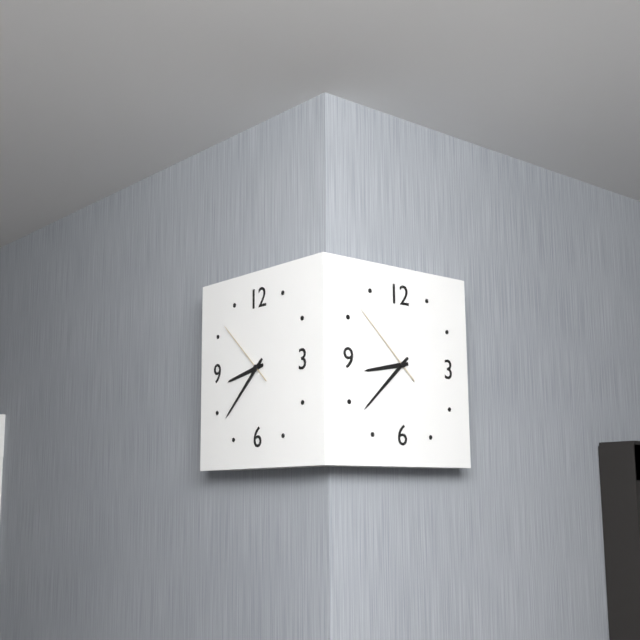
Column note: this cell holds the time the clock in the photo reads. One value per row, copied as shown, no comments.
8:38:52
